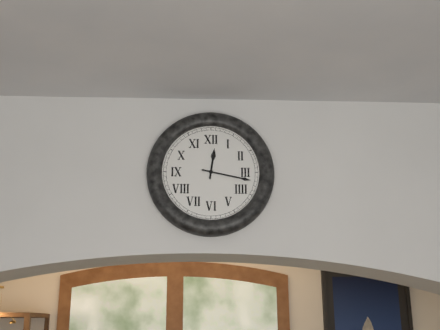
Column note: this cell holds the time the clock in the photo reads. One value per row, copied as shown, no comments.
12:17
